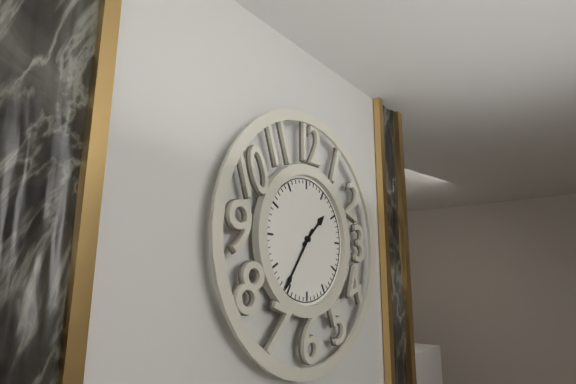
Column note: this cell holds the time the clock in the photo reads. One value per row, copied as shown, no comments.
1:36
